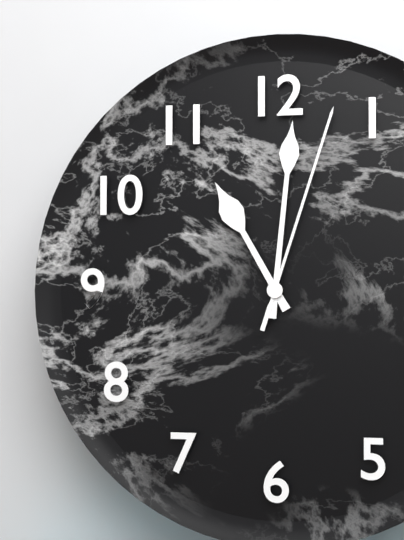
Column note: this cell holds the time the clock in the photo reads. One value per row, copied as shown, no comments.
11:01:03
